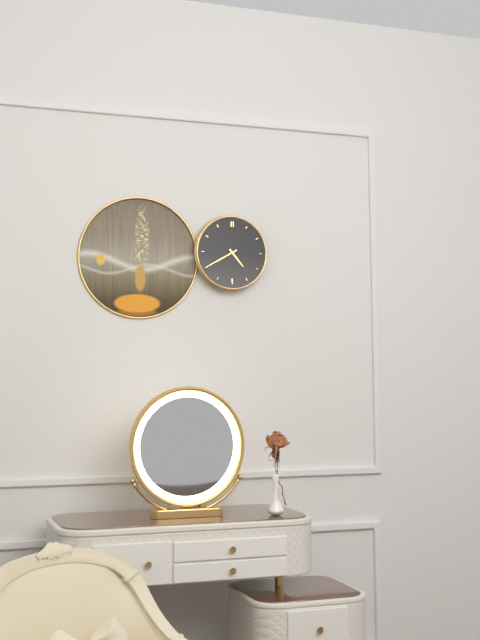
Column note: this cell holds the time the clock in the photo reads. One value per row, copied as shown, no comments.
4:40
